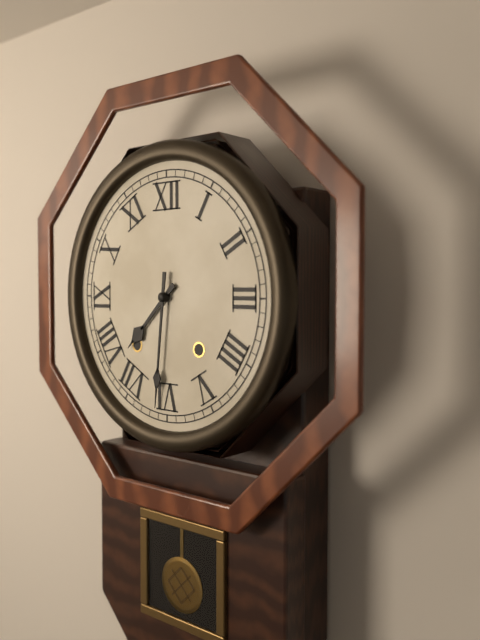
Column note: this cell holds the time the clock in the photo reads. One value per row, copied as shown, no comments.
7:31
